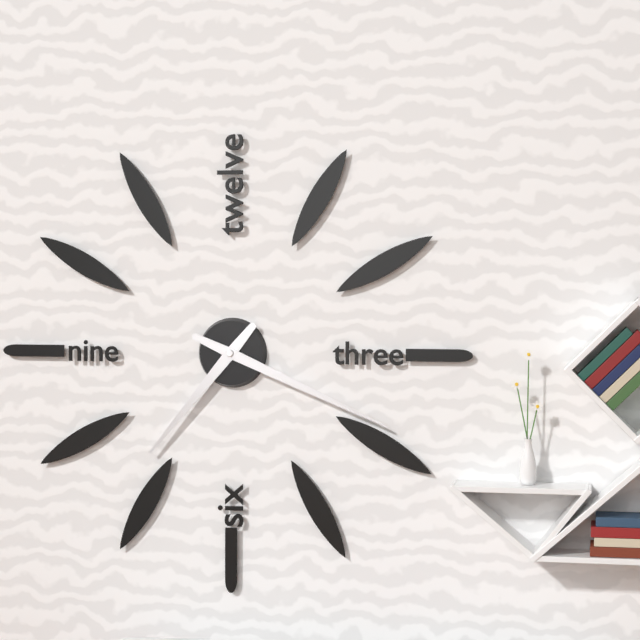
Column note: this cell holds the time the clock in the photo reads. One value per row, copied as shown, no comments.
7:19
